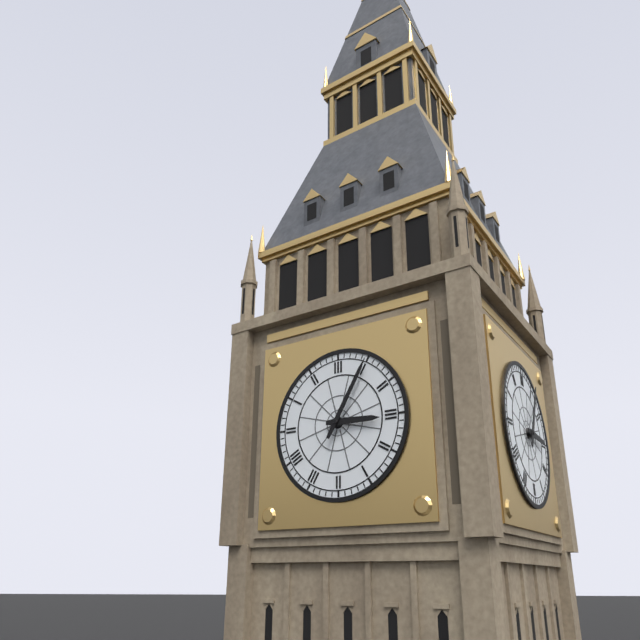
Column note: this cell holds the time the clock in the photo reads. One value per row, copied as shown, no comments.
3:05
